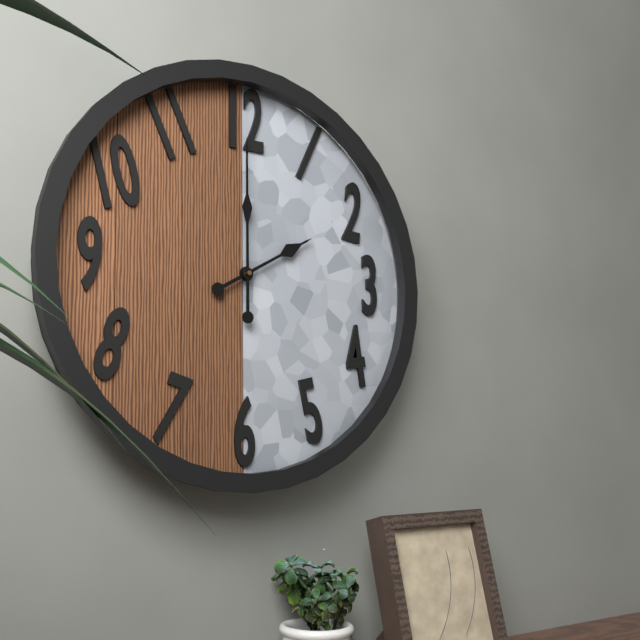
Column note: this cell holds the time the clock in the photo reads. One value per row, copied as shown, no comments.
2:00
